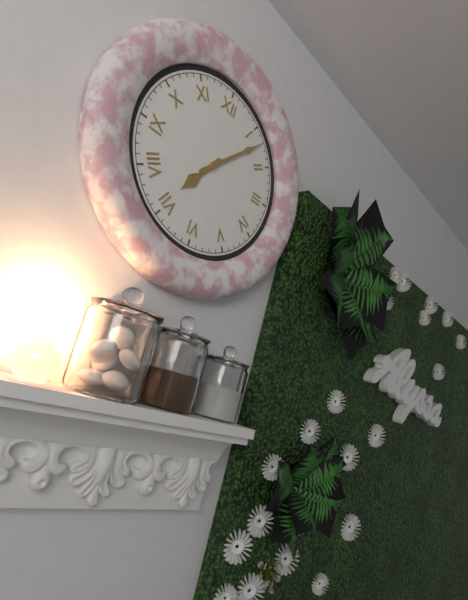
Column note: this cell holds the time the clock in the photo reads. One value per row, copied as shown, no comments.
7:07
